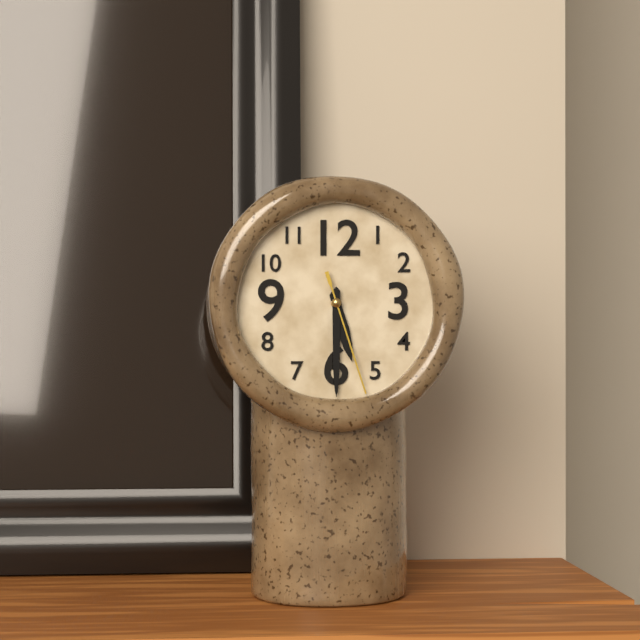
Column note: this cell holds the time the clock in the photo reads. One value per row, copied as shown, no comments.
5:30:27
